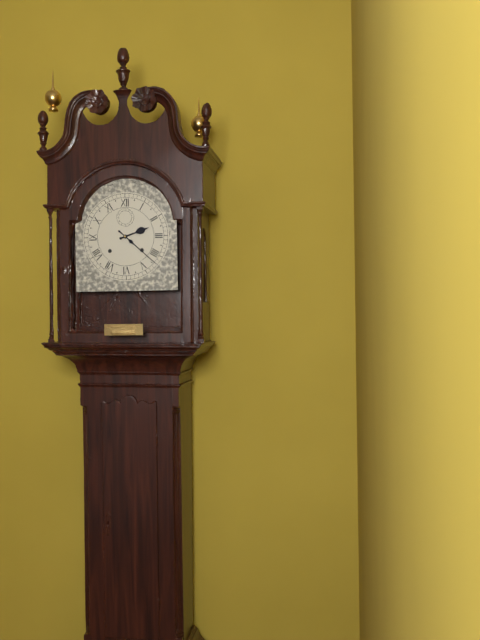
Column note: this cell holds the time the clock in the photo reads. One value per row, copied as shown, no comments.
2:22
